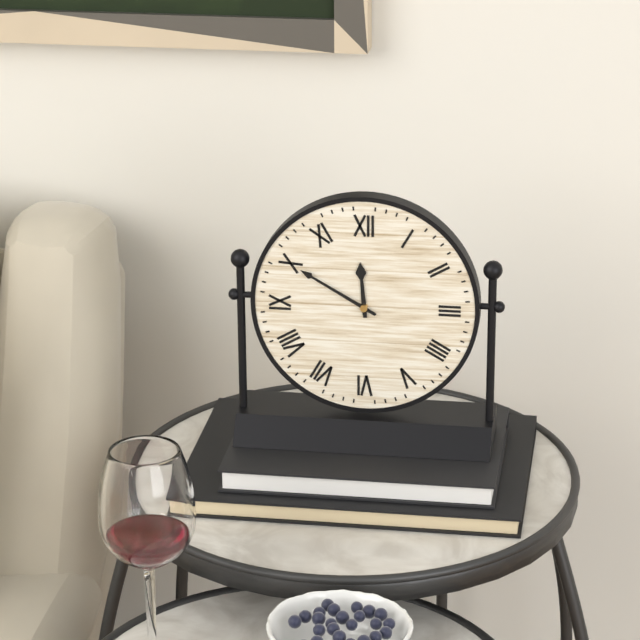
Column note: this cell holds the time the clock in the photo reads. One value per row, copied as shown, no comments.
11:50
